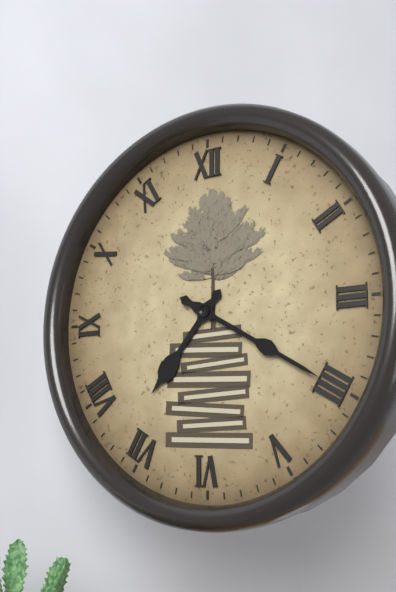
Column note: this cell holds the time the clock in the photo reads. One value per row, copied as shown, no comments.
7:20
